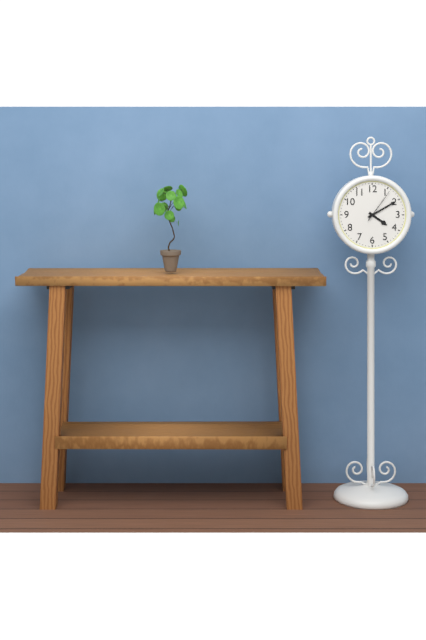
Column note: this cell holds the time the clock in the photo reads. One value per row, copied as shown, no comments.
4:10
